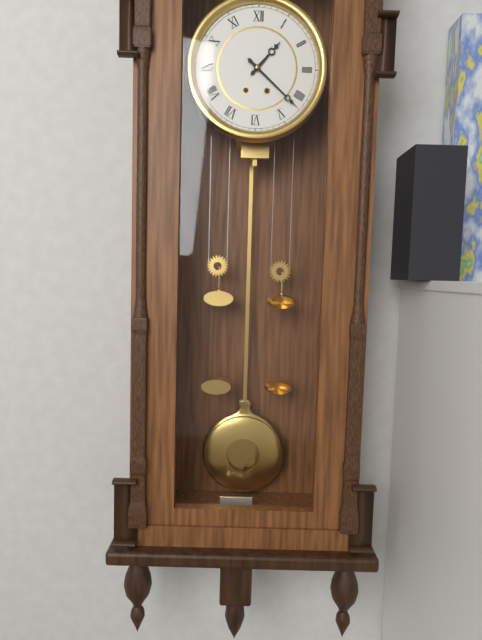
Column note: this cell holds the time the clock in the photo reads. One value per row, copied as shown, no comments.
1:22
